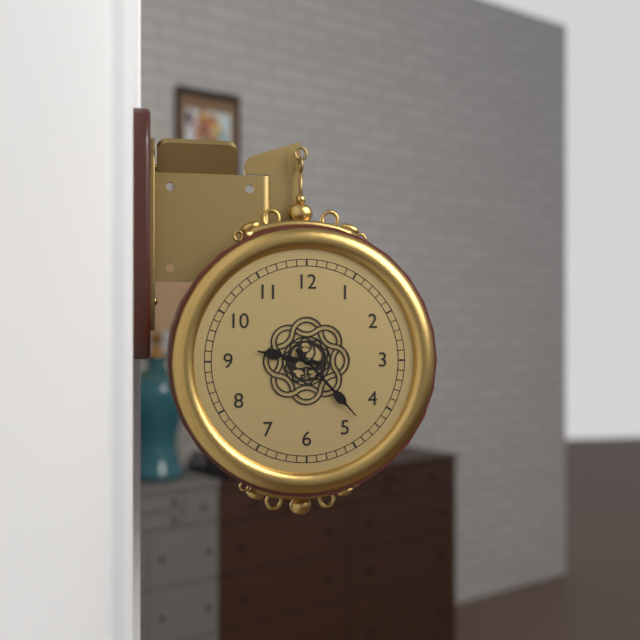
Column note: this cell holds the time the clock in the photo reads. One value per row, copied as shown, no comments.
9:23
